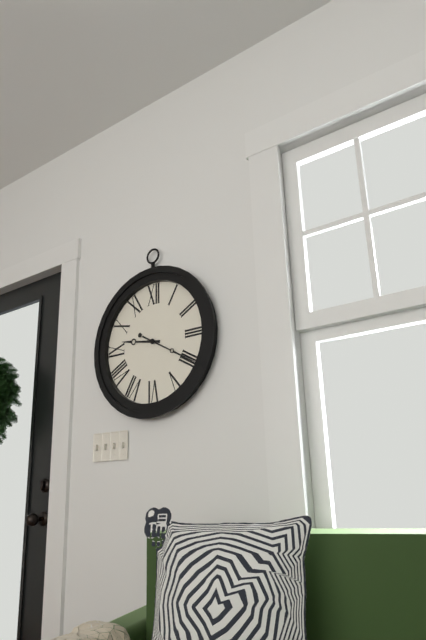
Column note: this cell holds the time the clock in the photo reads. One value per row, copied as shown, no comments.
9:20
